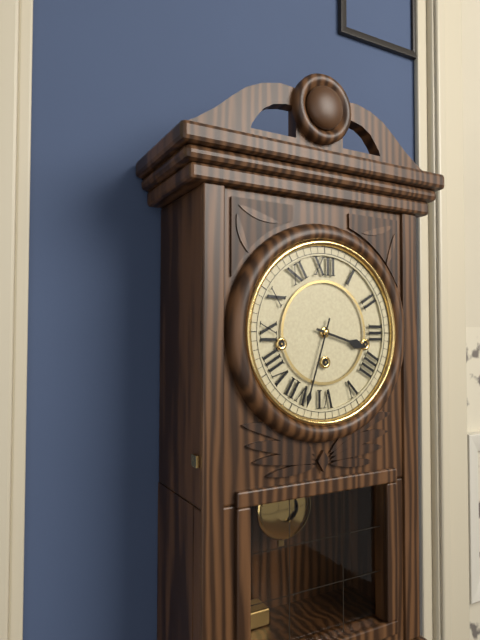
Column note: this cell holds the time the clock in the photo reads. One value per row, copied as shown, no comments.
3:33
